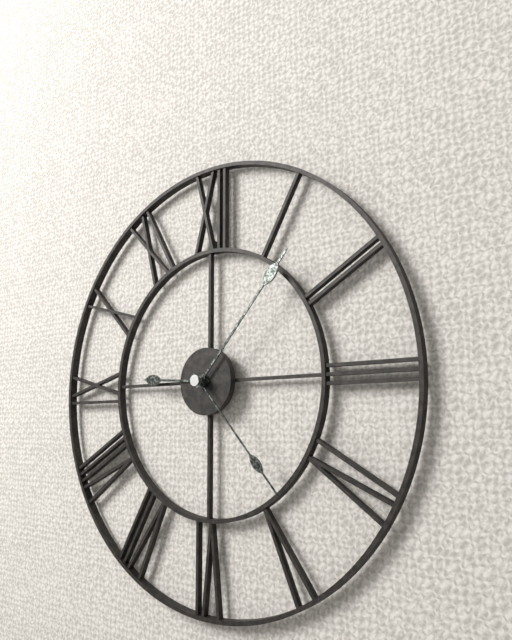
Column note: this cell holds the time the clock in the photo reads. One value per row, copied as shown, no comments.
9:07:23
